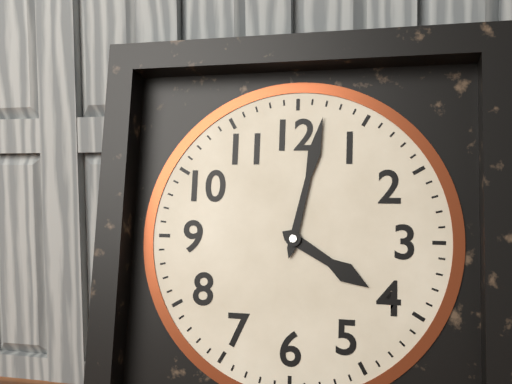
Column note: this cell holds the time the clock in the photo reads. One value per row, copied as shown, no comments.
4:02
